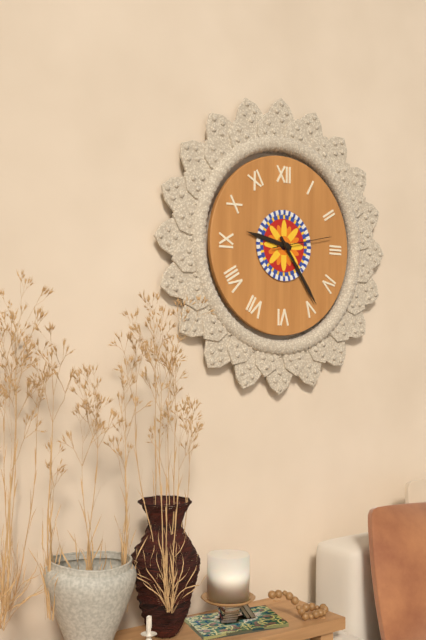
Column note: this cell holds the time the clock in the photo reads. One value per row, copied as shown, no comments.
9:24:13
